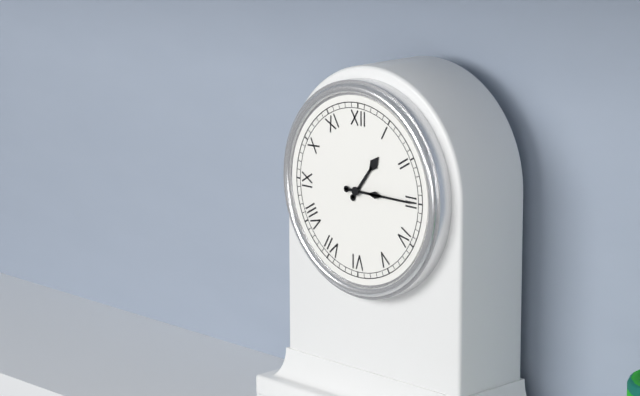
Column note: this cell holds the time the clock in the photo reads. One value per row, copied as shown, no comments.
1:15
